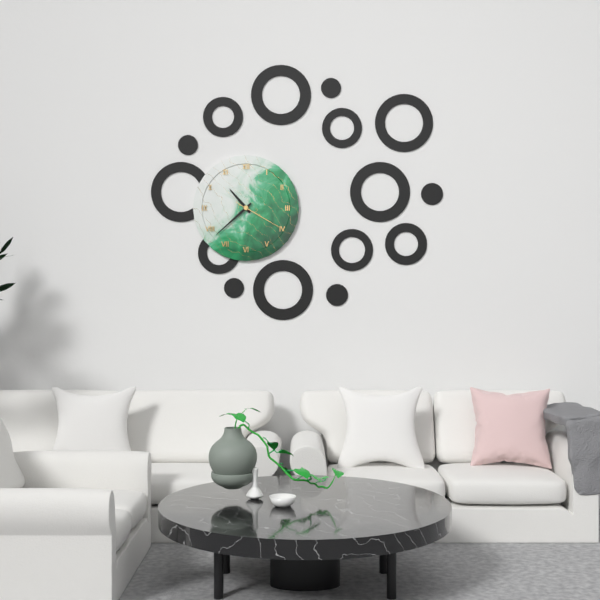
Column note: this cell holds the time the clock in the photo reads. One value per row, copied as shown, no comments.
10:38:20
